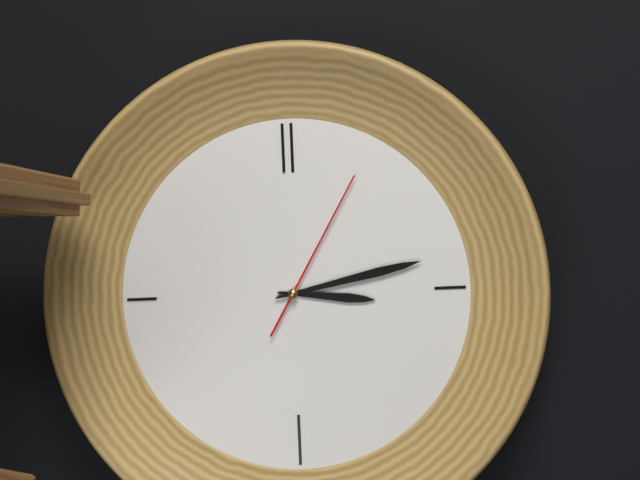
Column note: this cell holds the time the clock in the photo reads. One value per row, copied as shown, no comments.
3:13:05
